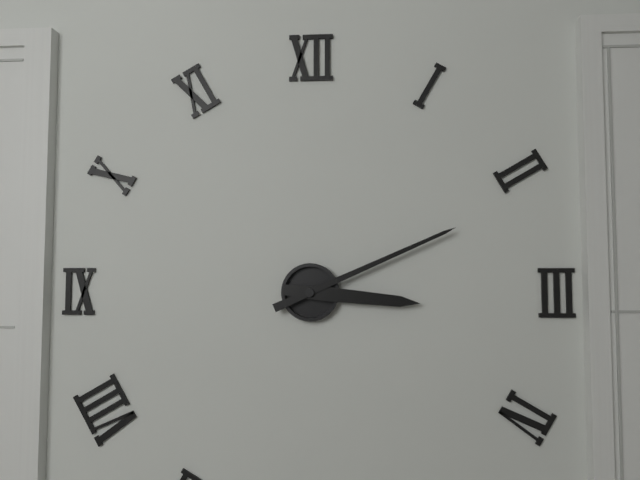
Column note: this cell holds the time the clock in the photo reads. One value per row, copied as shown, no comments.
3:11
